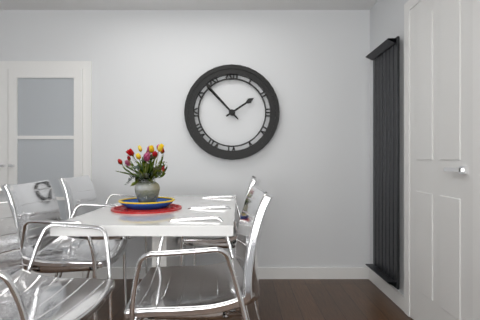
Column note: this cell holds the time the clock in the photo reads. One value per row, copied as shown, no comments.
1:53
